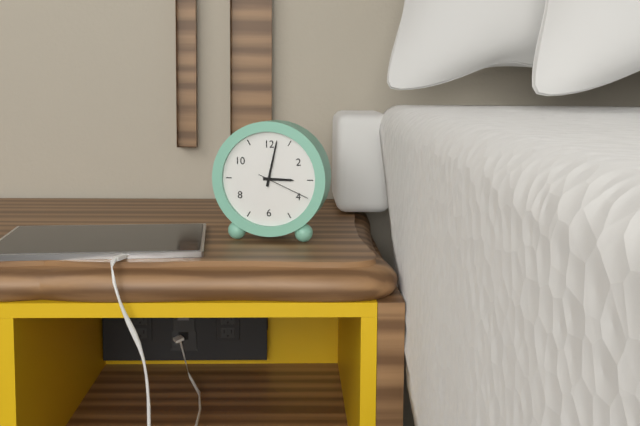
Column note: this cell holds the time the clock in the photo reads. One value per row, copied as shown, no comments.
3:02:19
